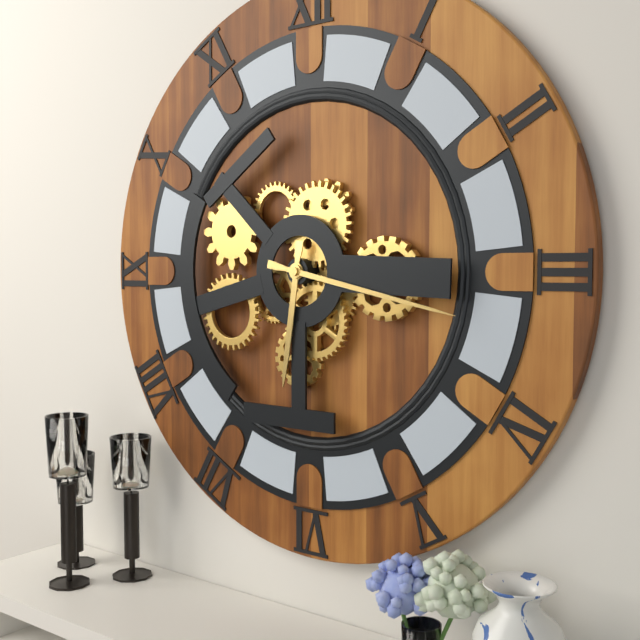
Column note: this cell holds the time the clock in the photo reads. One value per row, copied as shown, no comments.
6:17
